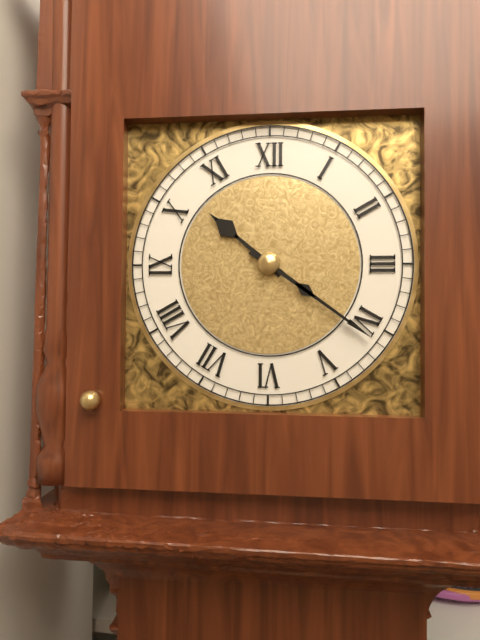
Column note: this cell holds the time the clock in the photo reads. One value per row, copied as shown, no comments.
10:21
